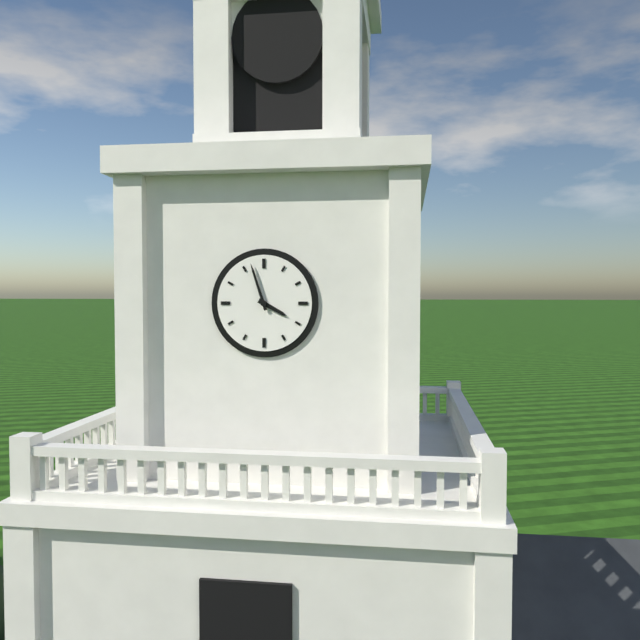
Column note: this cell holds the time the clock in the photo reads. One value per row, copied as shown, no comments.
3:57
